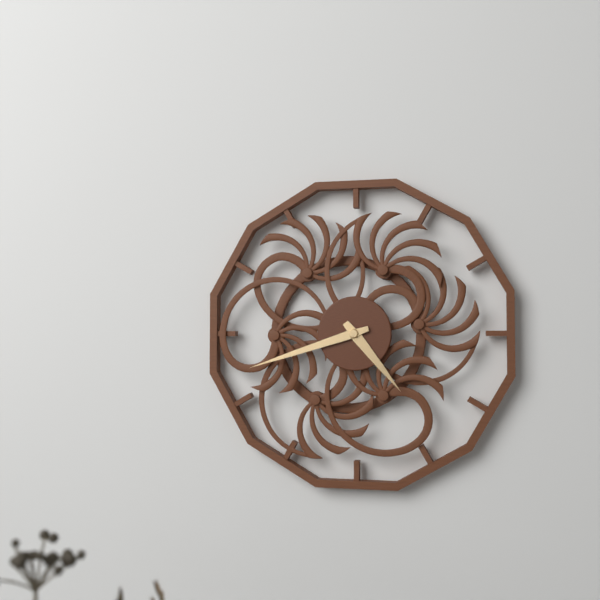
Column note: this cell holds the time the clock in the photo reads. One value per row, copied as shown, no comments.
4:42
